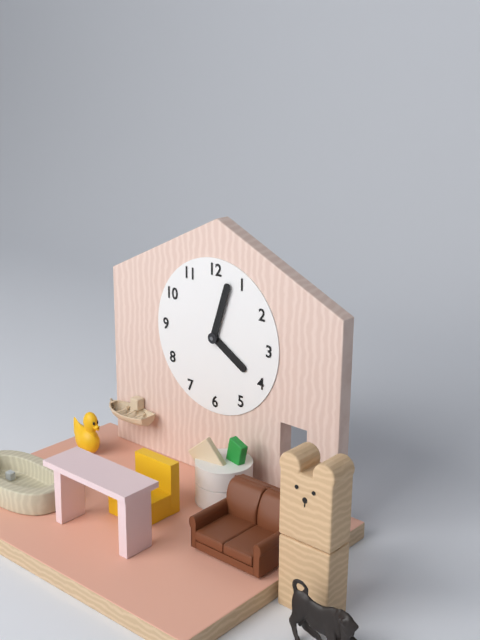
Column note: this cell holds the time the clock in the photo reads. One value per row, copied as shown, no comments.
4:03
